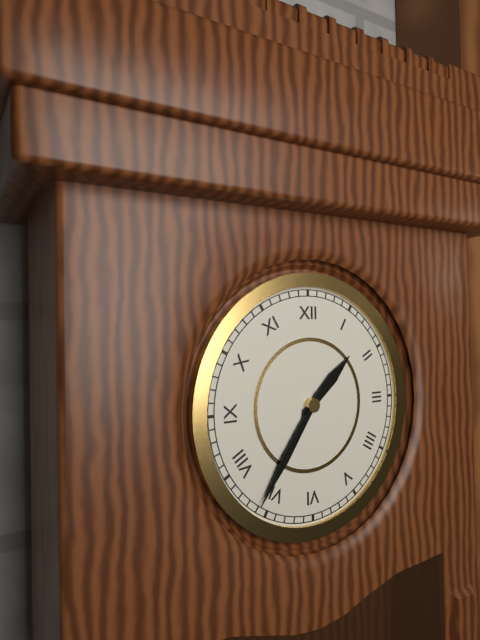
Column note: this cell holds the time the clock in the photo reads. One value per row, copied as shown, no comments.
1:36
